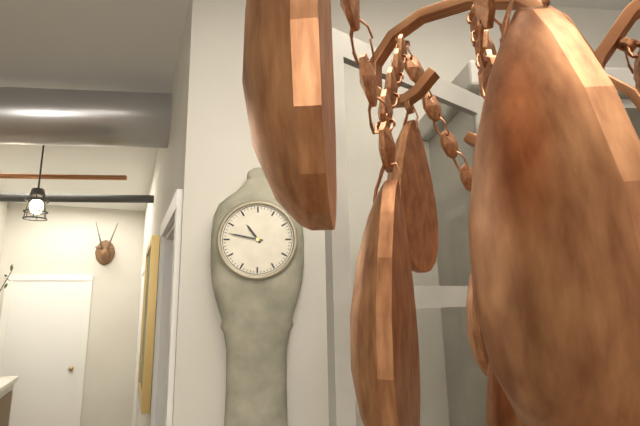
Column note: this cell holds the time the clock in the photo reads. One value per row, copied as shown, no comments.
10:47
